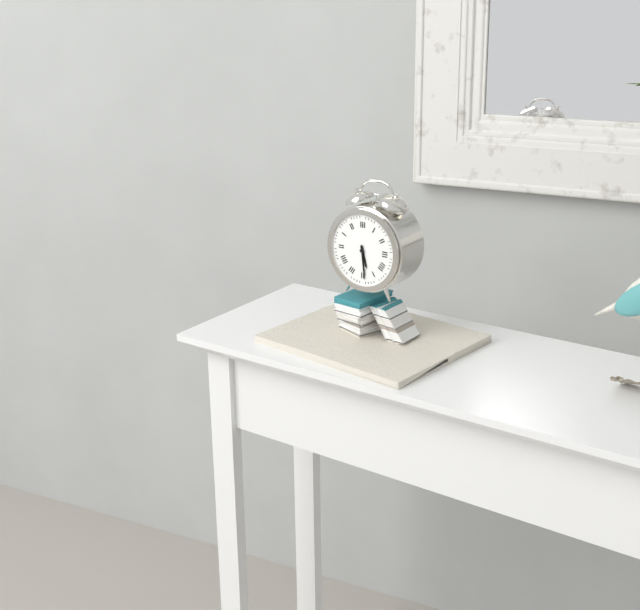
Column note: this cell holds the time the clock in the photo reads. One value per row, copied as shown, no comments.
5:29
